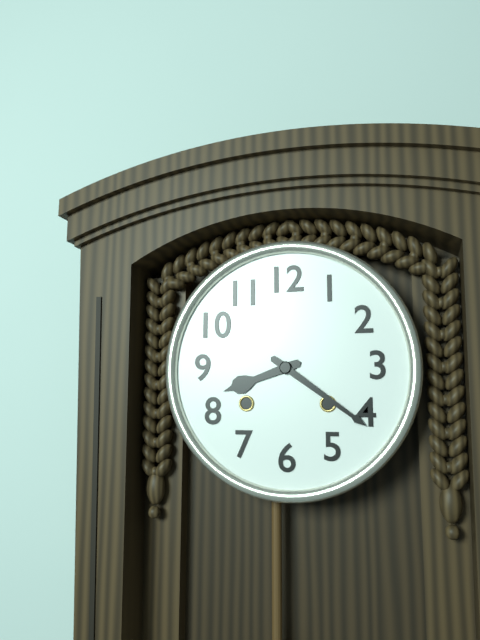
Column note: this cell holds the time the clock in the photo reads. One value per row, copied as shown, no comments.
8:21
